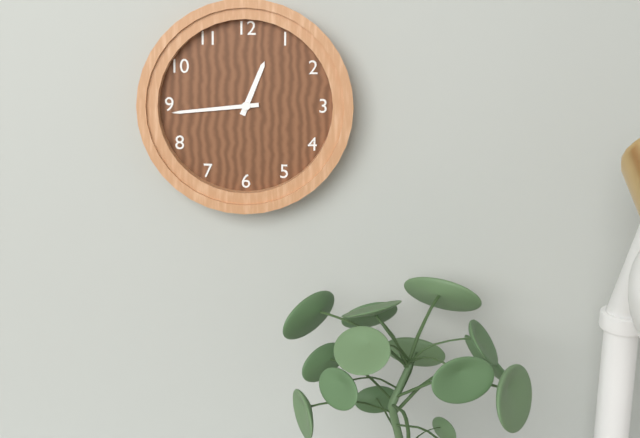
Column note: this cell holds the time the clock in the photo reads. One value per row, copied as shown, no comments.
12:44
